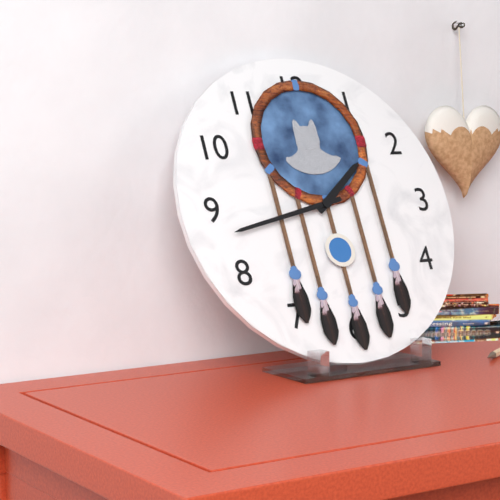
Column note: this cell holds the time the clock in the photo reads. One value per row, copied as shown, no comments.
1:43
